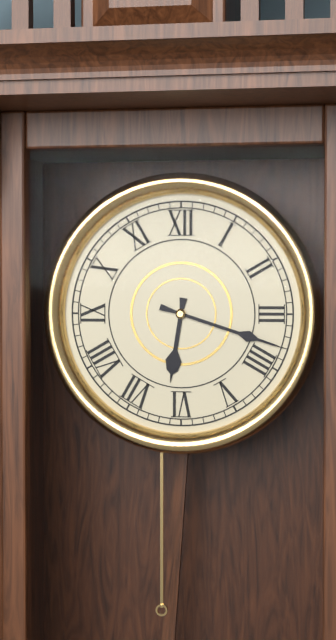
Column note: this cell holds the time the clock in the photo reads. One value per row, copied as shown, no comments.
6:18
